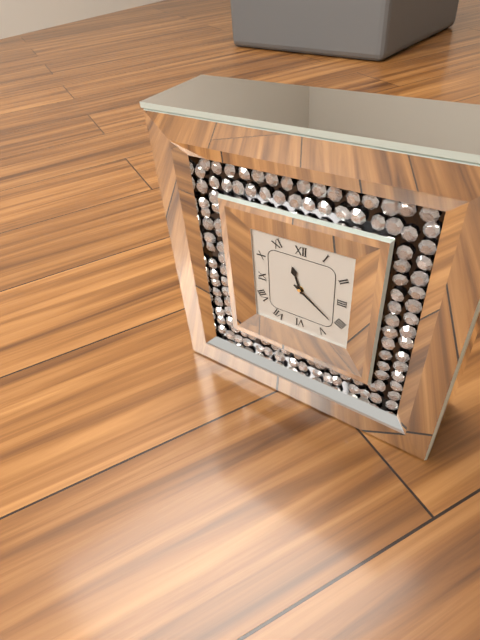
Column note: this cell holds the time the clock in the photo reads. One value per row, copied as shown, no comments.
11:21
